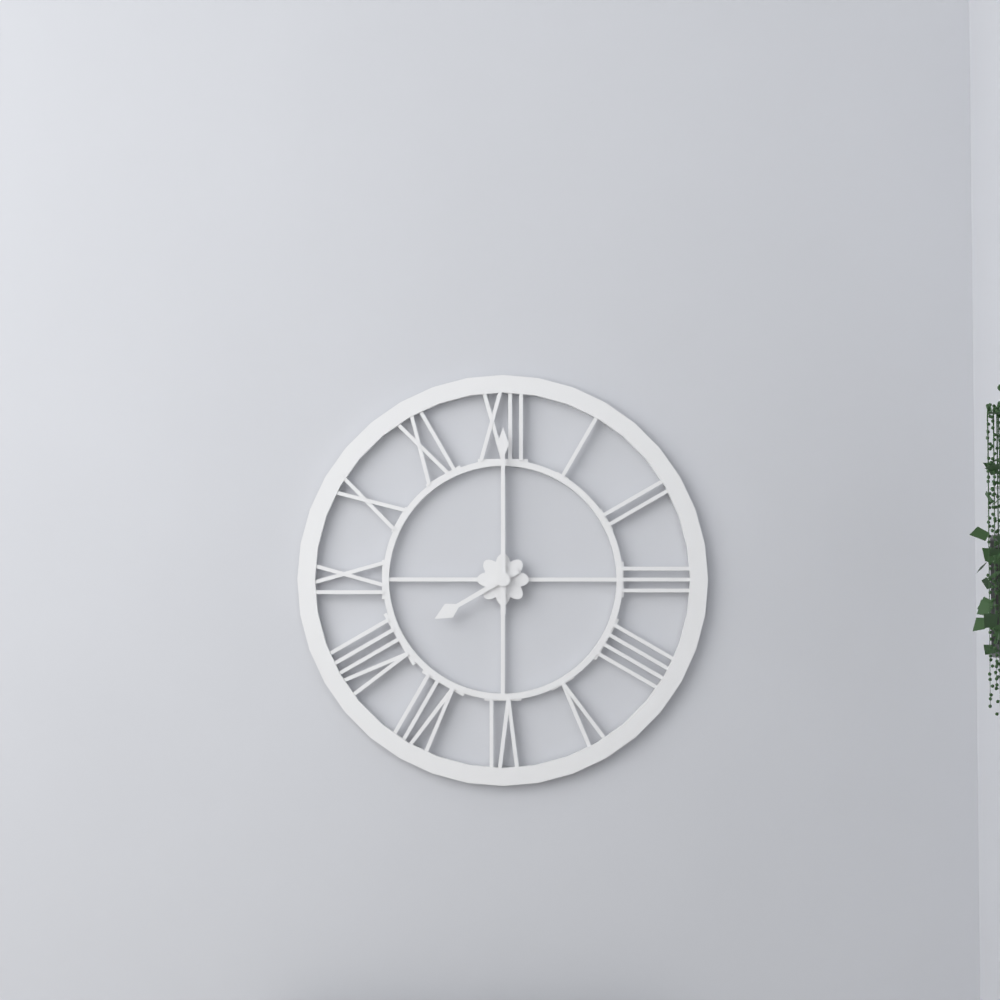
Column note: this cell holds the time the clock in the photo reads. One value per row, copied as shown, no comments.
8:00
